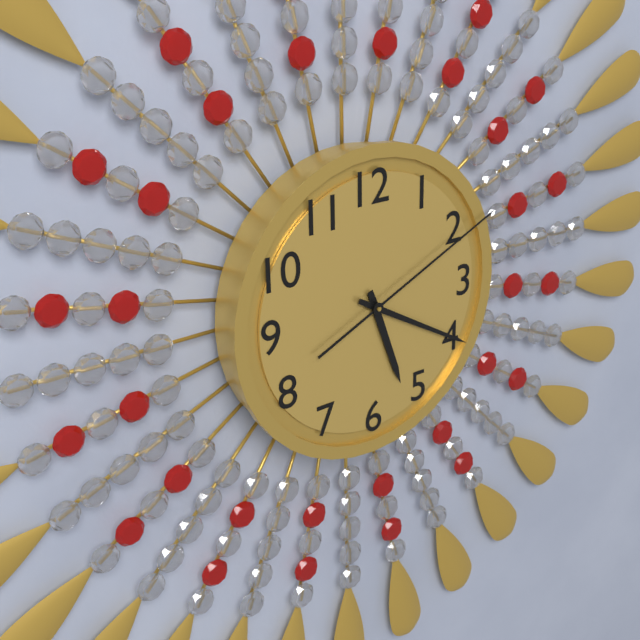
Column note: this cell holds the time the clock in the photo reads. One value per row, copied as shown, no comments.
5:20:11
